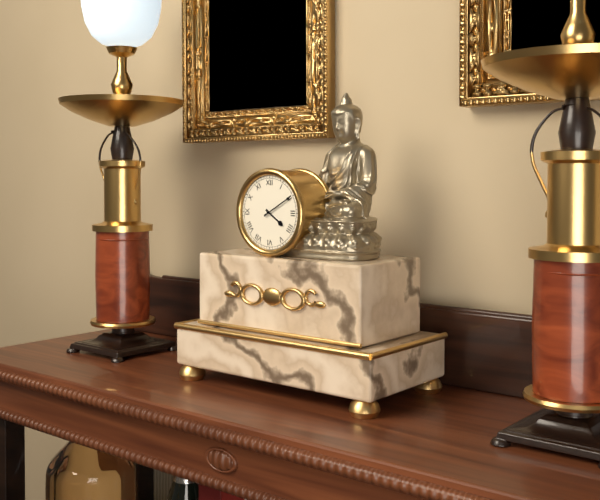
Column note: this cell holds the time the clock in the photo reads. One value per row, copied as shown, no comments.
4:10
